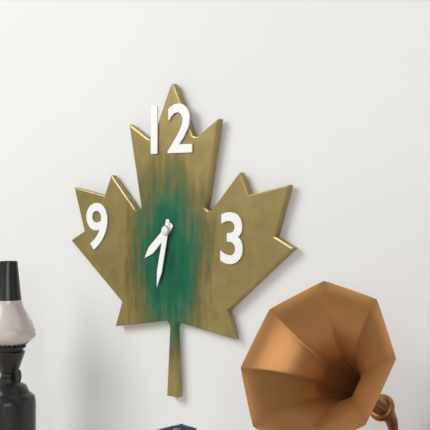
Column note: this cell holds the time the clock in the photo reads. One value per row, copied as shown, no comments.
7:32
